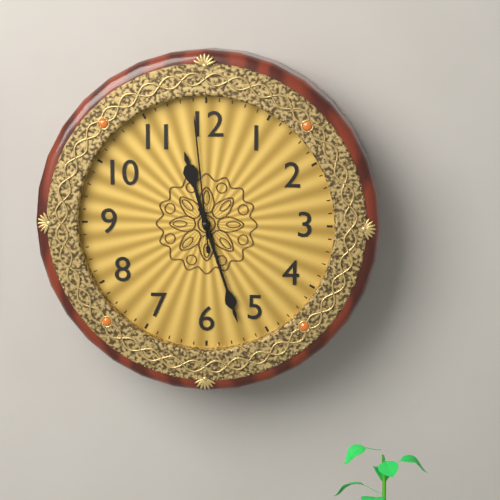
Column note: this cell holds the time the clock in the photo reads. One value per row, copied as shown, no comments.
11:27:59
